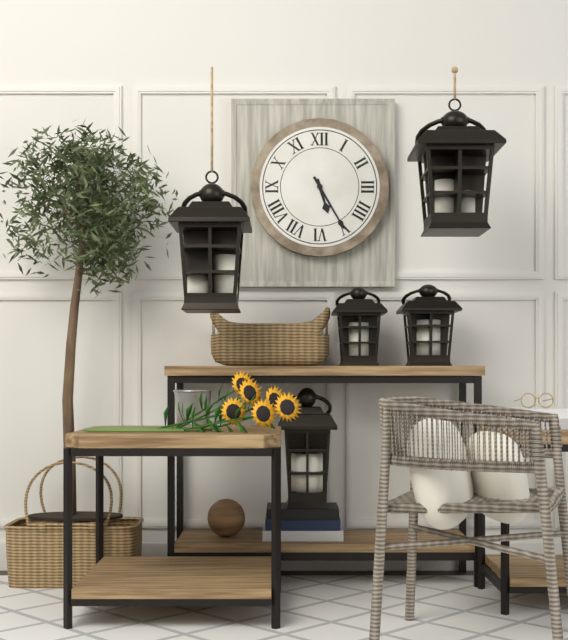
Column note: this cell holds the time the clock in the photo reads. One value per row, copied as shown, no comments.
5:25
